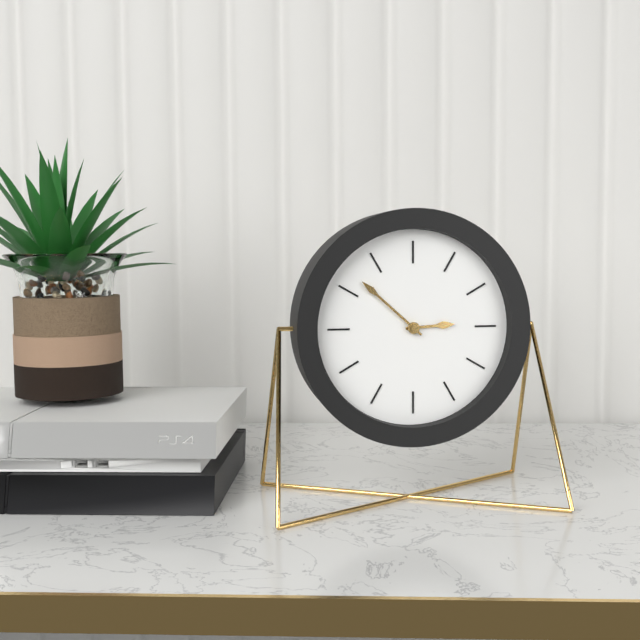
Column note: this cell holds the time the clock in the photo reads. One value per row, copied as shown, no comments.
2:52
